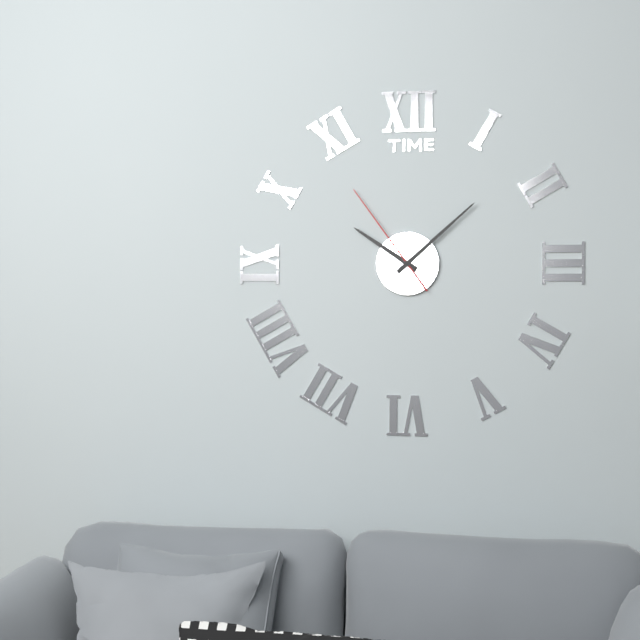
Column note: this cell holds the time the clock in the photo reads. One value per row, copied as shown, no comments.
10:08:54
